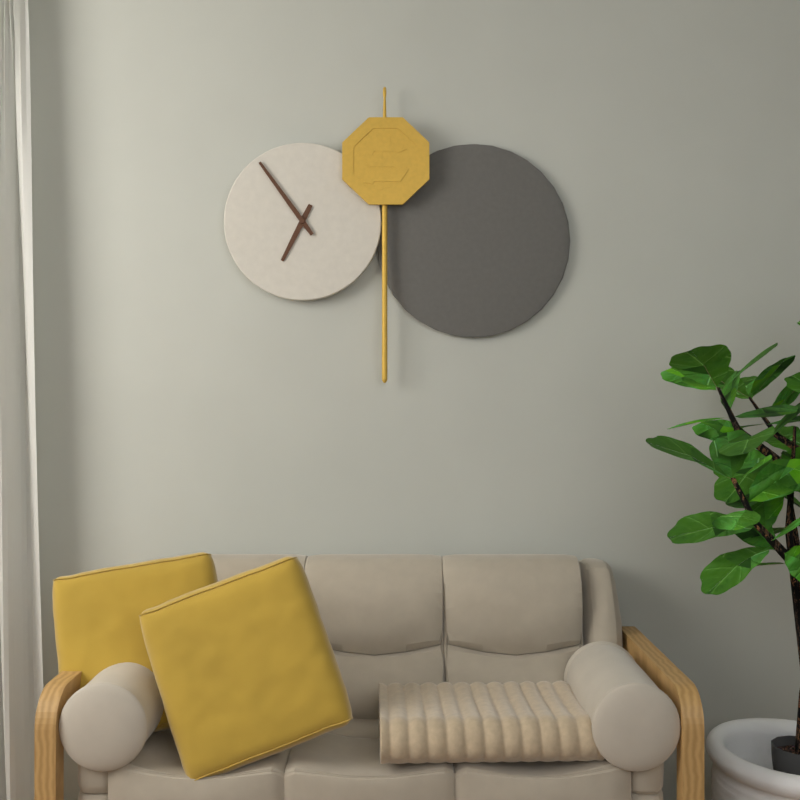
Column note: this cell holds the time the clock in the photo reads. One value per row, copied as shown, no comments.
6:54
